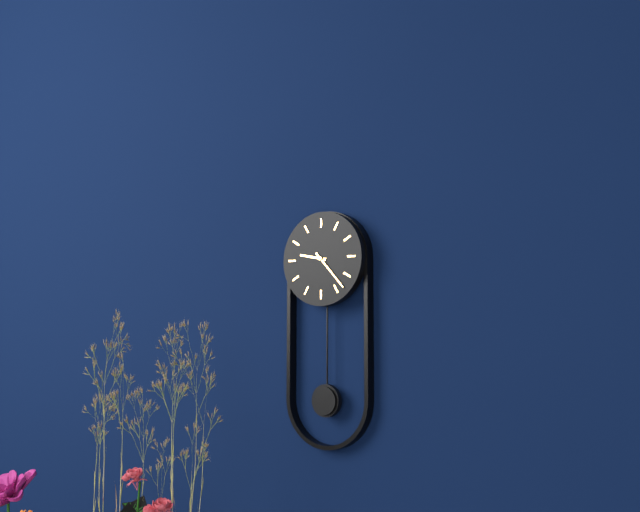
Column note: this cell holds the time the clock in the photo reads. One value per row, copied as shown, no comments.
9:23
